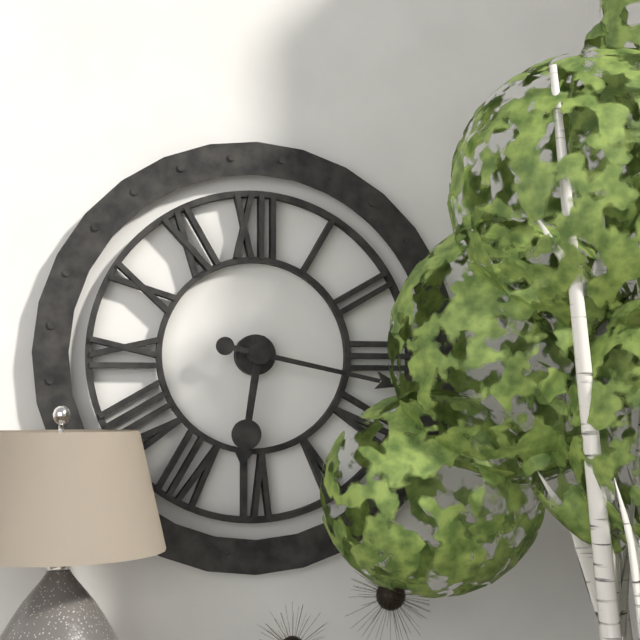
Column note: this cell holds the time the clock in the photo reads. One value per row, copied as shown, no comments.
6:17
